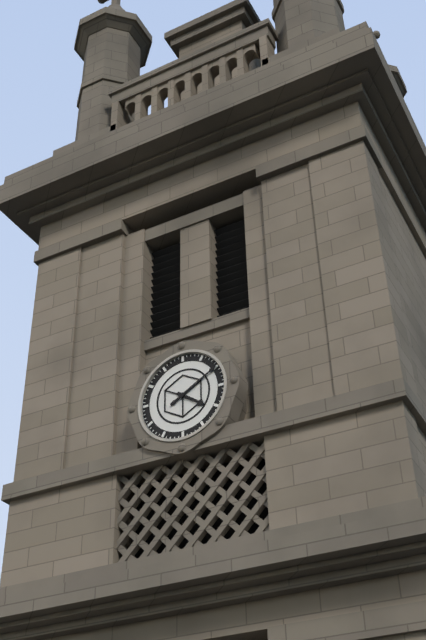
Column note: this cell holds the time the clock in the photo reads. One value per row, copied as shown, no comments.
4:10
